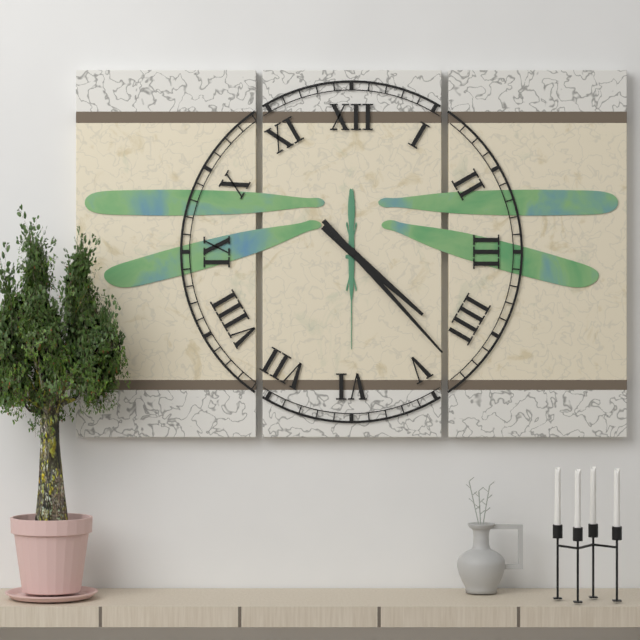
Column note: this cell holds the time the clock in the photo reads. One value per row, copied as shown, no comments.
4:23
